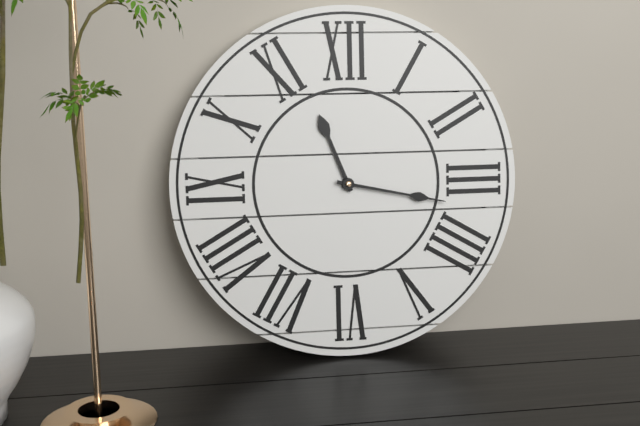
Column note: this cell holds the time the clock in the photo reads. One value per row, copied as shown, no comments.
11:17
